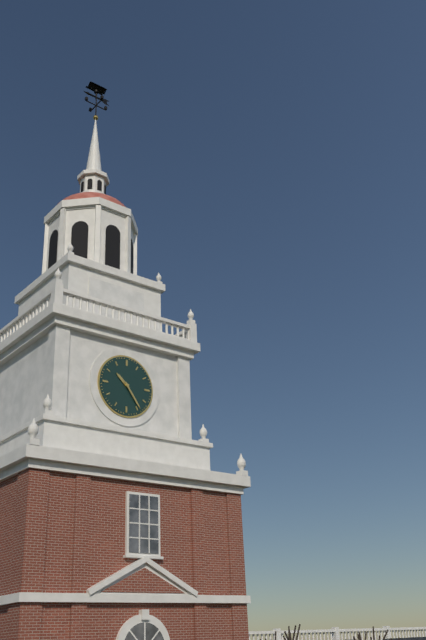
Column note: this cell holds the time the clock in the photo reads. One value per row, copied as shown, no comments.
10:24
